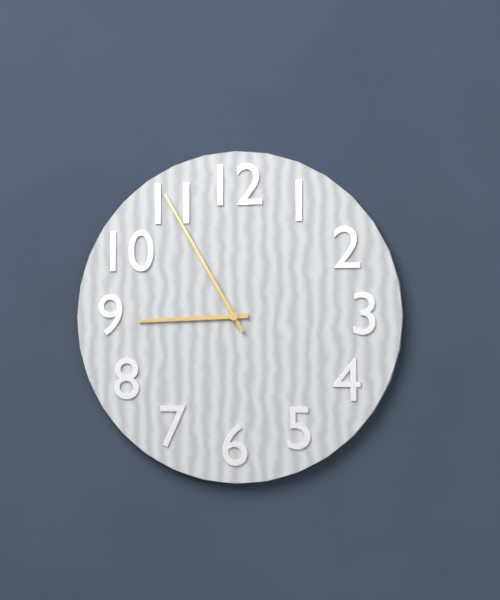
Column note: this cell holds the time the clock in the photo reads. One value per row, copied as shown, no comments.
8:55
